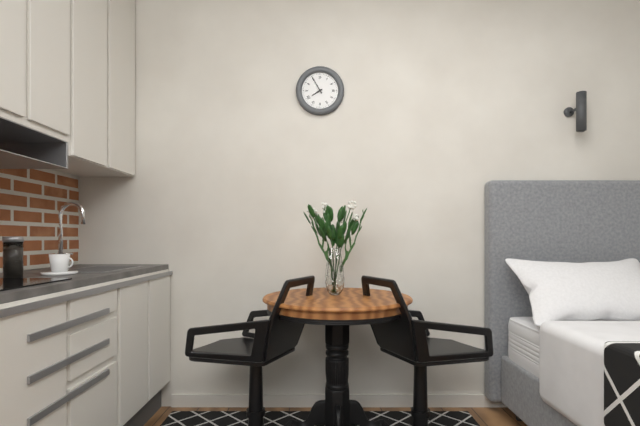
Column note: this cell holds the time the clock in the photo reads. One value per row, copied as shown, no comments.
7:55
